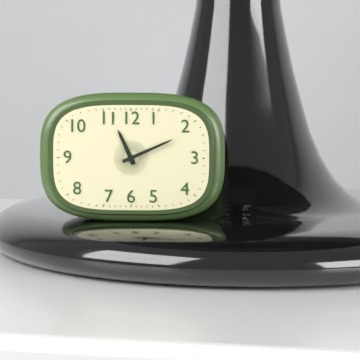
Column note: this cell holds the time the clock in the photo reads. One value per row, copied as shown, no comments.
11:11
